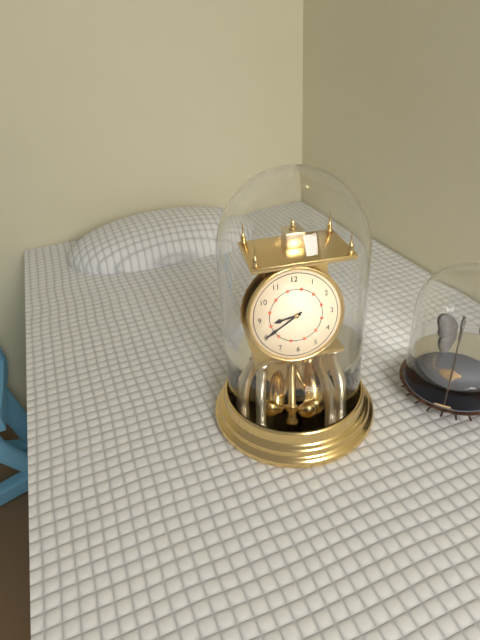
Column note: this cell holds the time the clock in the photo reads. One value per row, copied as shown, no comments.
8:40
